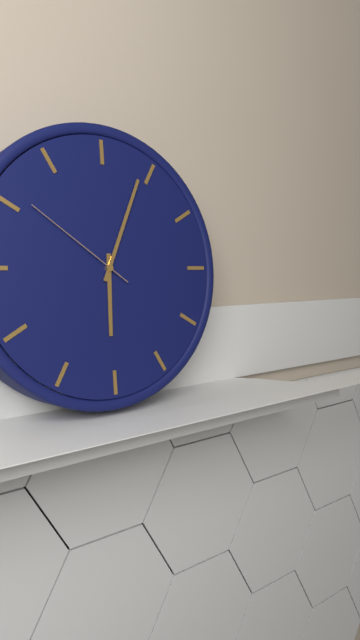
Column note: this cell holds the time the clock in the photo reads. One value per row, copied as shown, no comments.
6:04:51
